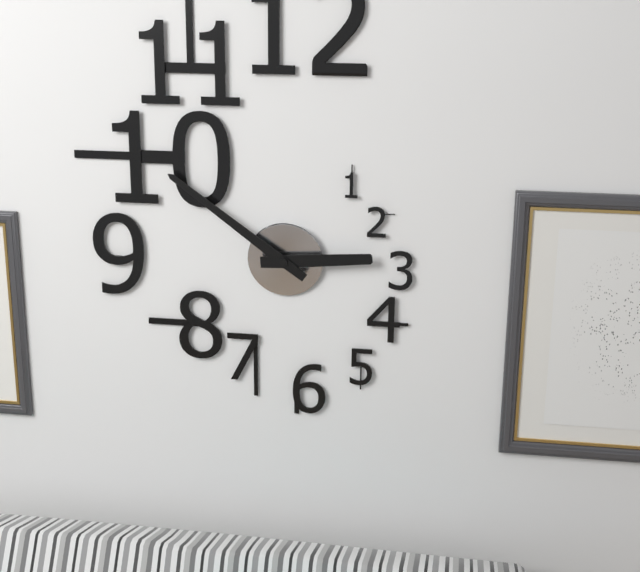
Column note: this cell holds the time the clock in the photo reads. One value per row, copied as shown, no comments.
2:51
